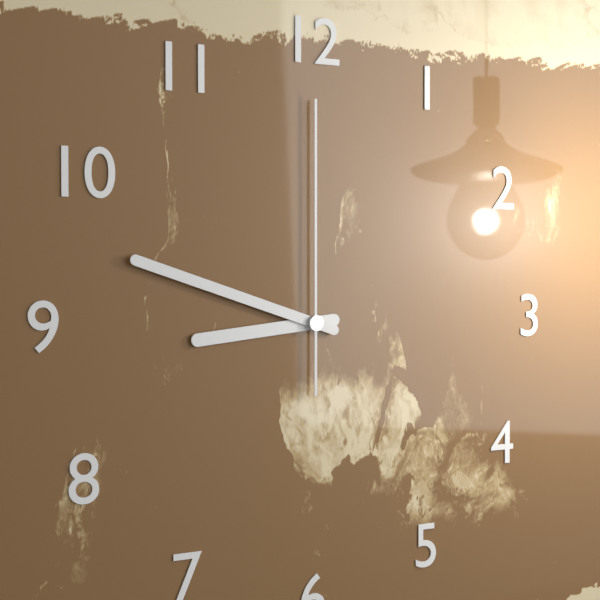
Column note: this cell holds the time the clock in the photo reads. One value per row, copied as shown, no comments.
8:48:00
